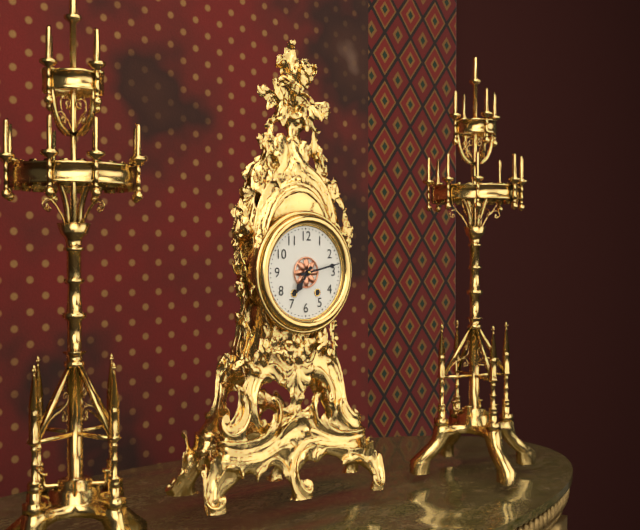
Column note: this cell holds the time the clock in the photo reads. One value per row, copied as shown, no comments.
7:13
